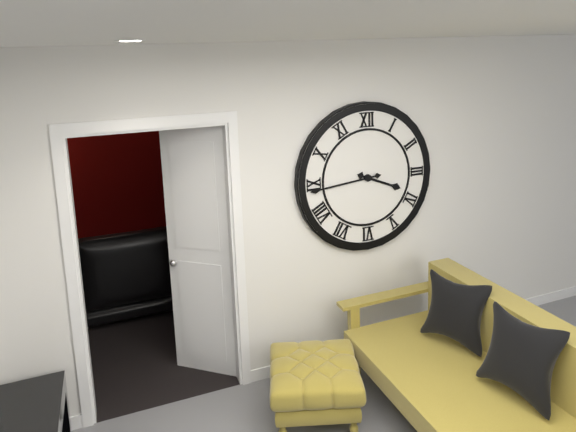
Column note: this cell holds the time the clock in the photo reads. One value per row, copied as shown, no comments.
3:44
